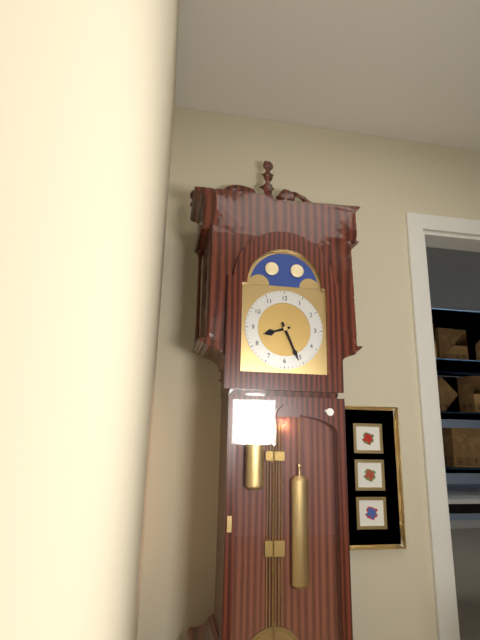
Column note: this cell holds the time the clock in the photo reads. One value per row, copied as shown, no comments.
8:26
